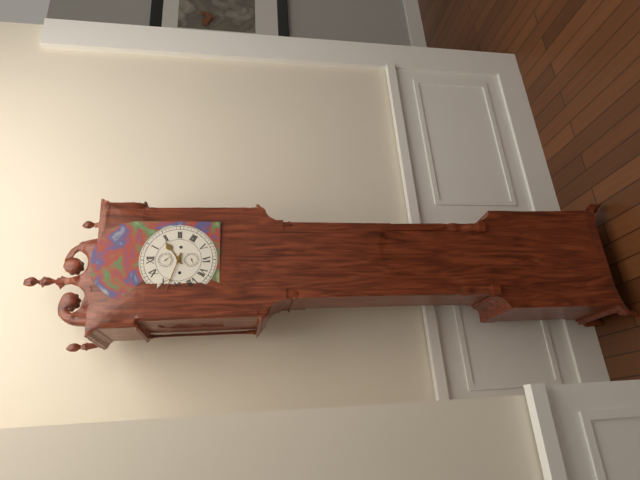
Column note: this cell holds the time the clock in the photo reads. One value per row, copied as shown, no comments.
1:48
